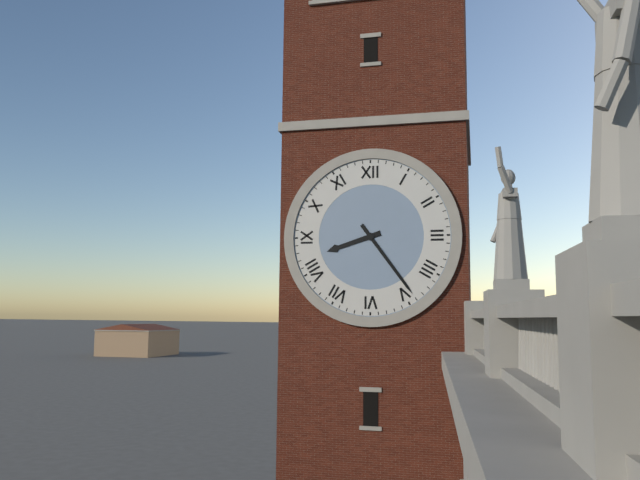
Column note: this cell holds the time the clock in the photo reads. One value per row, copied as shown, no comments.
8:24
